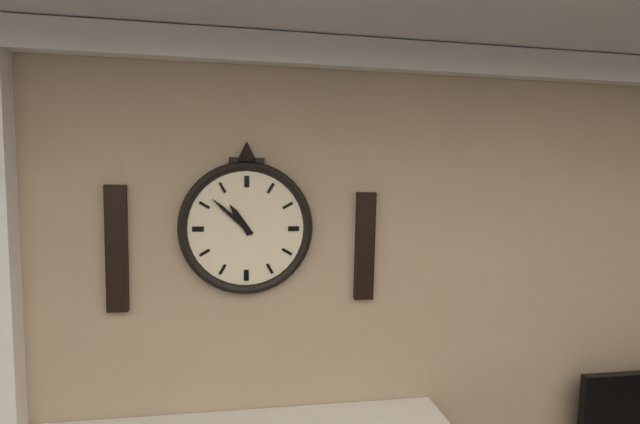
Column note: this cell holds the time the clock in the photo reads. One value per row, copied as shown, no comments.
10:52
